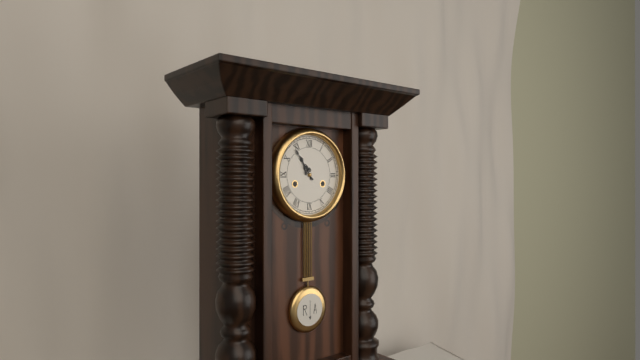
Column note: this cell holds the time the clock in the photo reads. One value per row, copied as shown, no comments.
10:54
